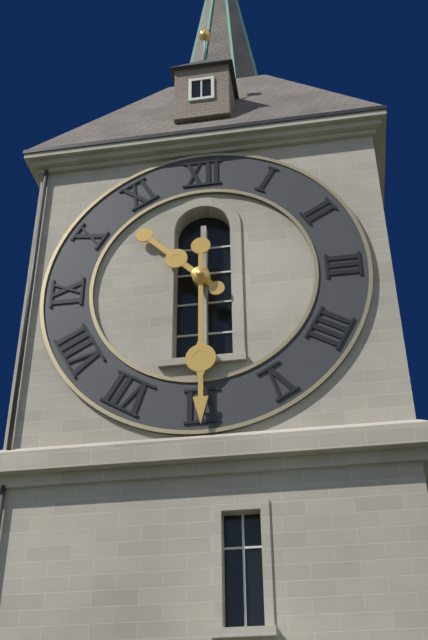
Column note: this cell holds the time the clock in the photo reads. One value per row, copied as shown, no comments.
10:30
